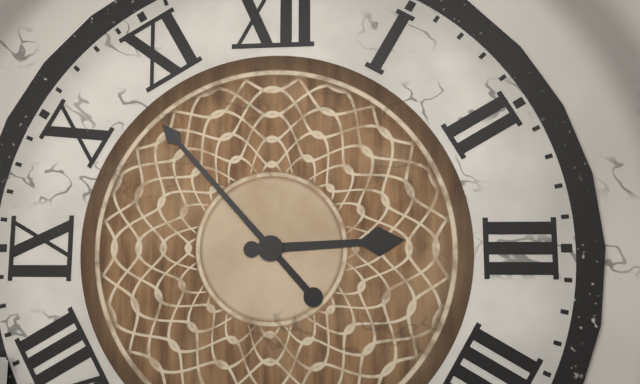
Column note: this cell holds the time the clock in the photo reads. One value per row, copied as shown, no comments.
2:53
